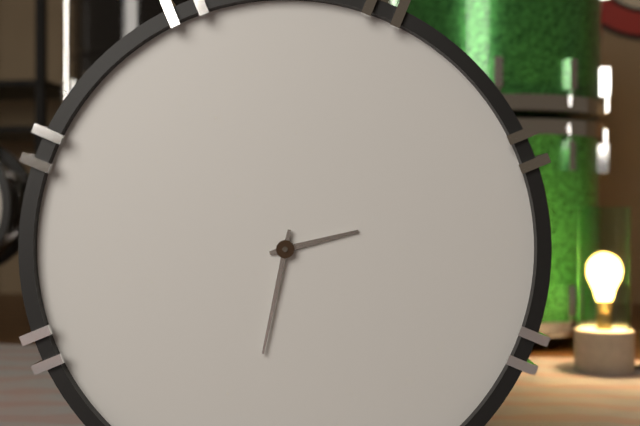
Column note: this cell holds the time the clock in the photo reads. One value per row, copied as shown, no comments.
2:32
